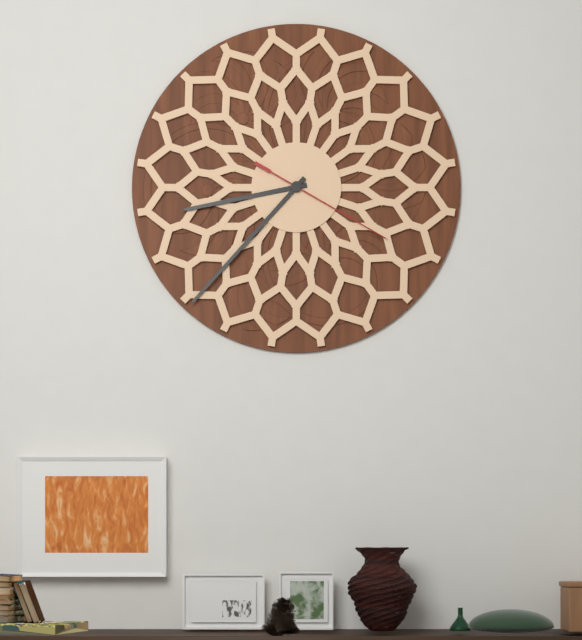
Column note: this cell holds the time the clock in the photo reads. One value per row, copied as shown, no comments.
8:37:20
